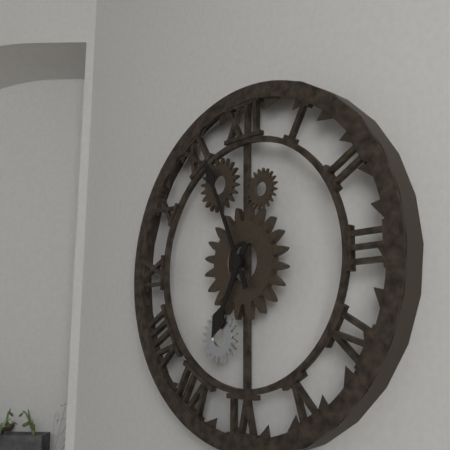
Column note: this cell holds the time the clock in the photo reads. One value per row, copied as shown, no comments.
6:56
